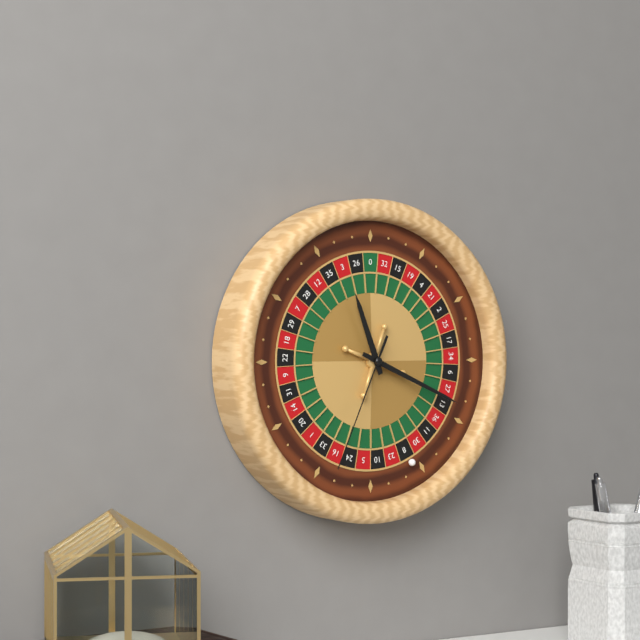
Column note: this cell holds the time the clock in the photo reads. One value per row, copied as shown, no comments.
11:19:34
